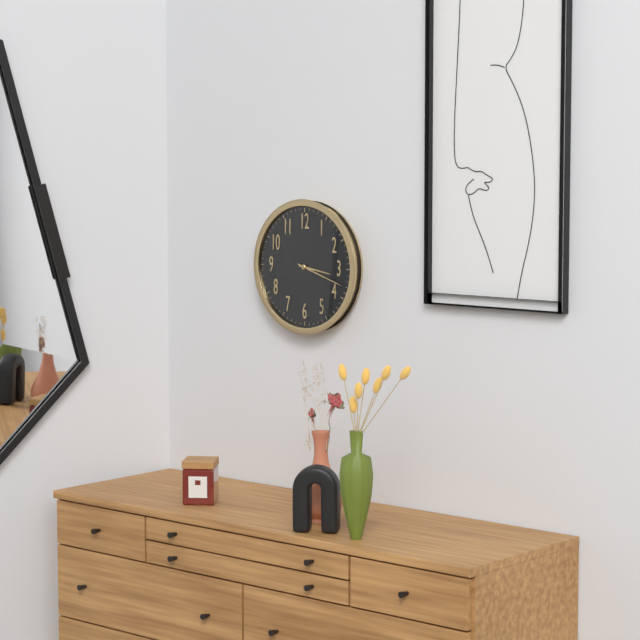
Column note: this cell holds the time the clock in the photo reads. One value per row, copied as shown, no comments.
3:18
